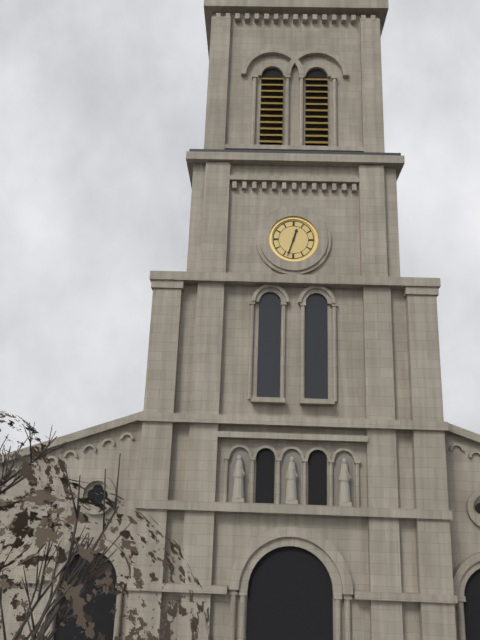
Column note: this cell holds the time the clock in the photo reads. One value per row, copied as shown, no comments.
12:33
